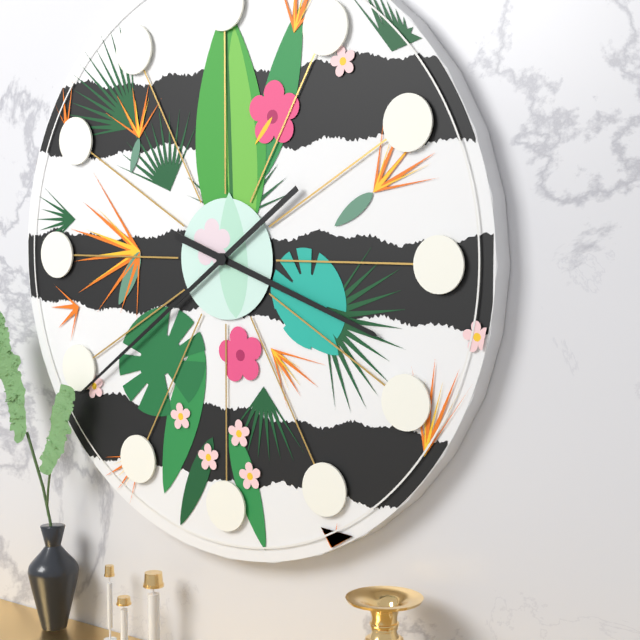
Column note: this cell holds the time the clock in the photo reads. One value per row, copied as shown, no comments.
3:39
